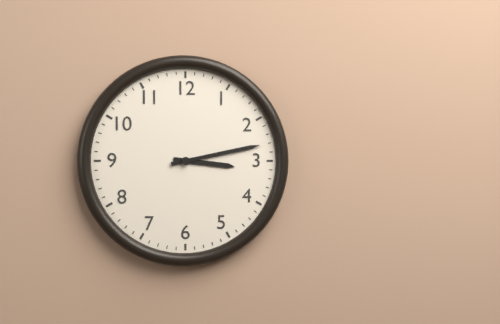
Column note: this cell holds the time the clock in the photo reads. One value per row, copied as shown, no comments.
3:13
